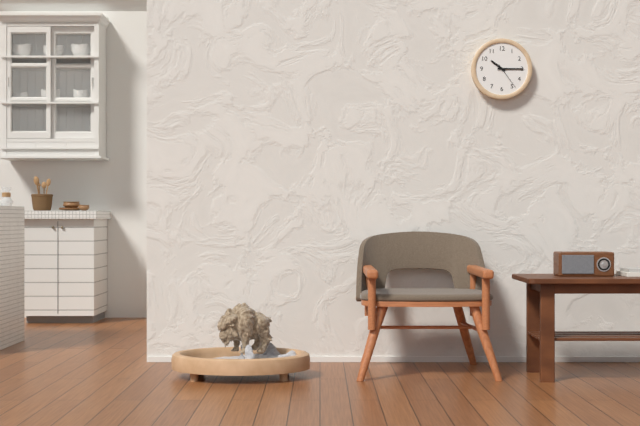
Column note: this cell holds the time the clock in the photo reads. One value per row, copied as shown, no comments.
10:15
